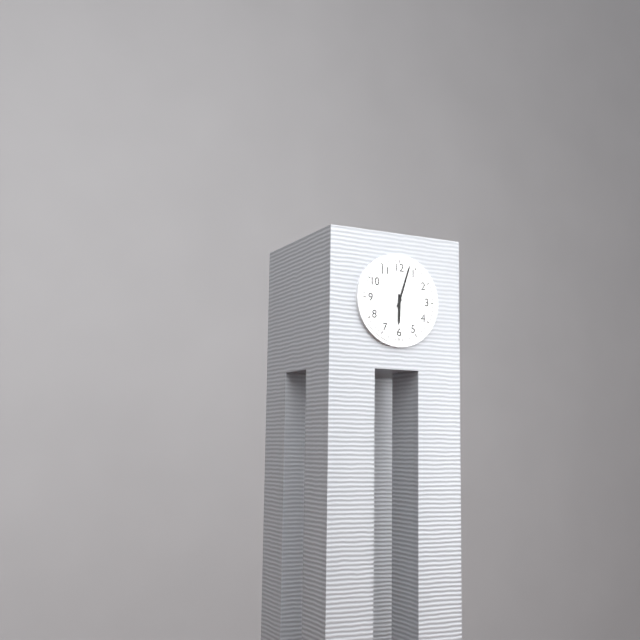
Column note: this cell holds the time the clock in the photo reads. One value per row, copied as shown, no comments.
6:03
